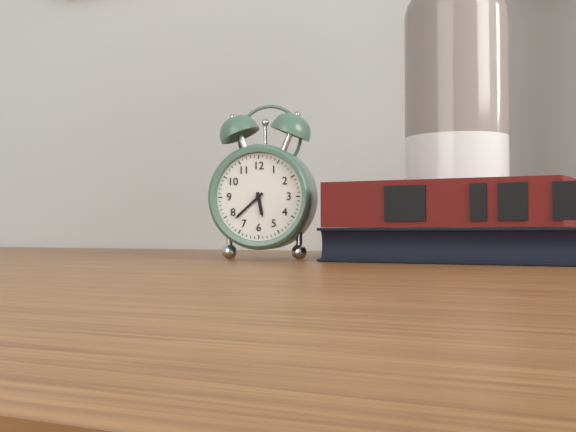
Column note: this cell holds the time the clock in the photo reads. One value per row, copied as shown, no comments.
5:38
